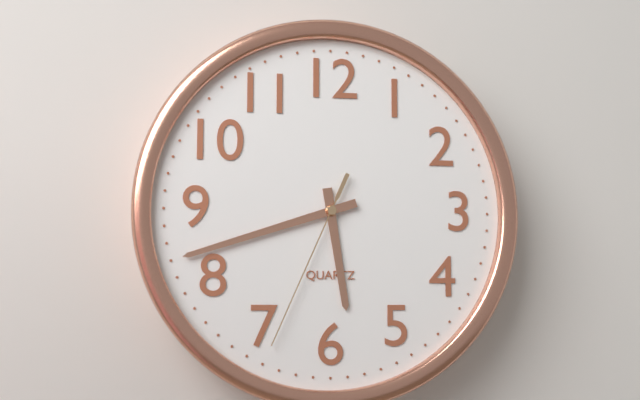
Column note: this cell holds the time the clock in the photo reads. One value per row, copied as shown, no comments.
5:42:34
